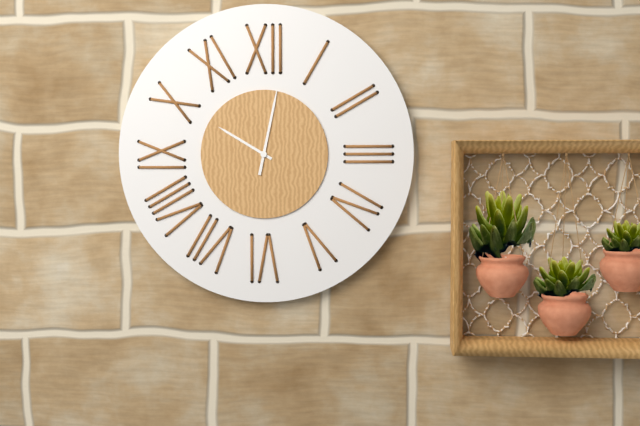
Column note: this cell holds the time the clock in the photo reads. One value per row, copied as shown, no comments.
10:02
